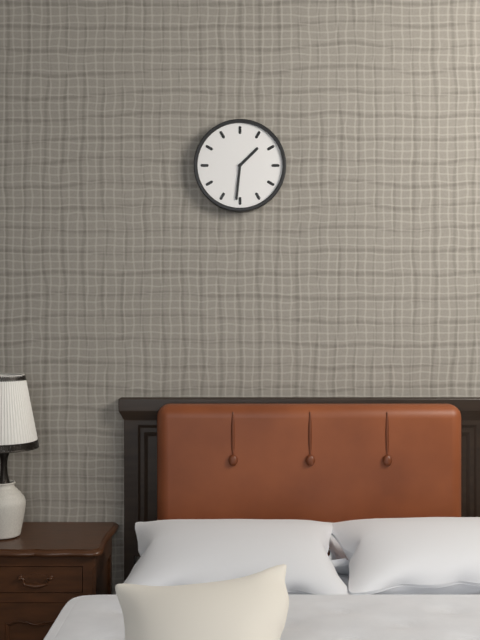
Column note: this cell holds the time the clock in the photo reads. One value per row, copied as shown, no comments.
1:31
